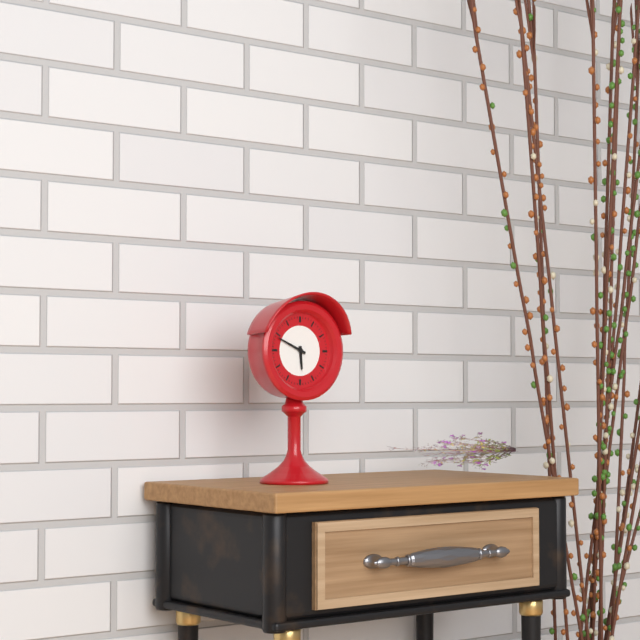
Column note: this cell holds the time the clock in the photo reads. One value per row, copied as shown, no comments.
5:49
